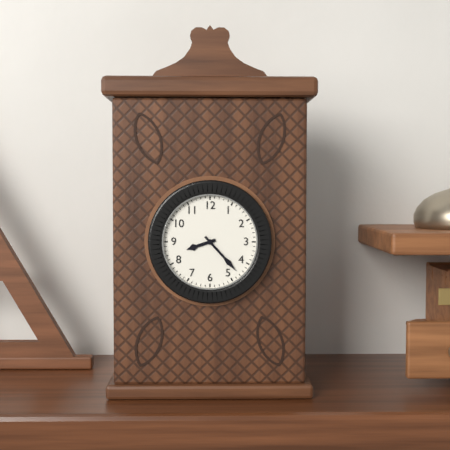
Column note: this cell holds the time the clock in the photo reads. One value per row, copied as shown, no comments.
8:23
